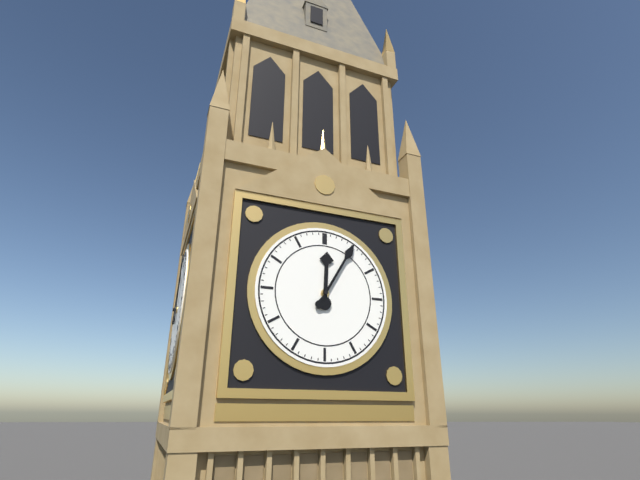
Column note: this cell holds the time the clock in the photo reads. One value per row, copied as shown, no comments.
12:05
